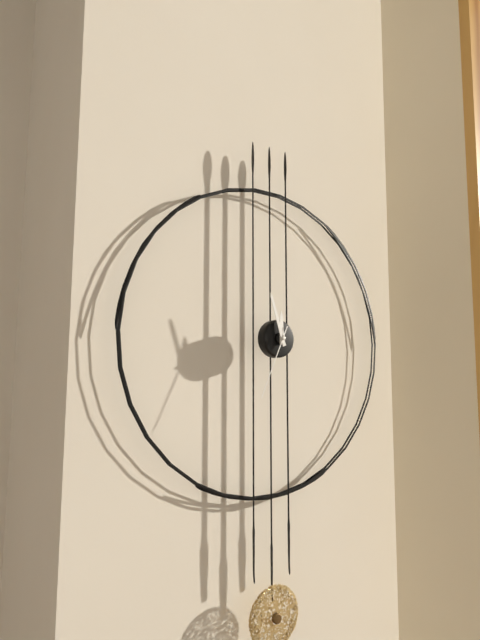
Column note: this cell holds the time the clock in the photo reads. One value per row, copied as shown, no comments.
11:57:34
